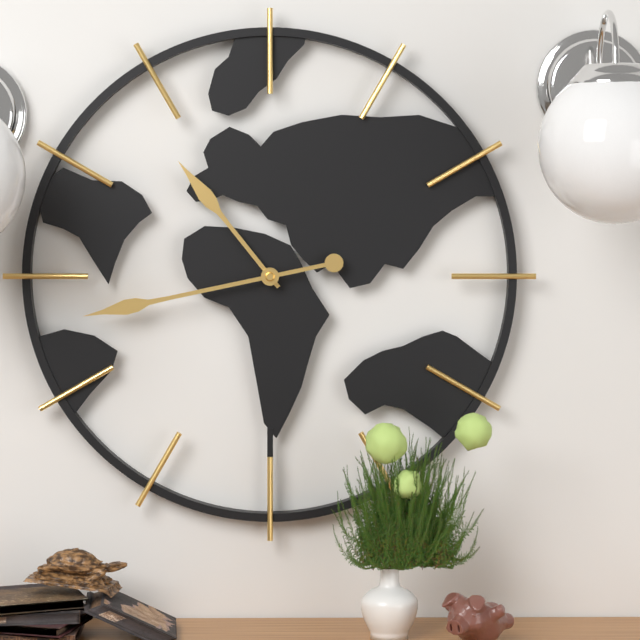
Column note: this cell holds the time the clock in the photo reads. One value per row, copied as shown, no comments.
10:43
